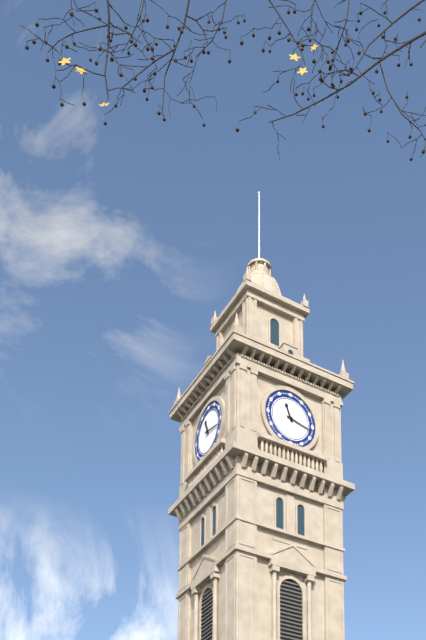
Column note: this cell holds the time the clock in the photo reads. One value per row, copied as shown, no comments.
11:17
